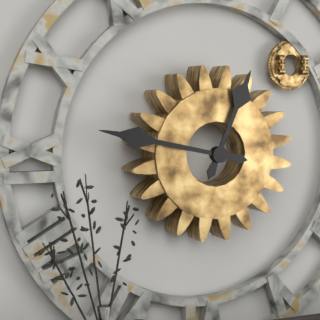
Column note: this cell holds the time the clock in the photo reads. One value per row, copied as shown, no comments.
12:47
